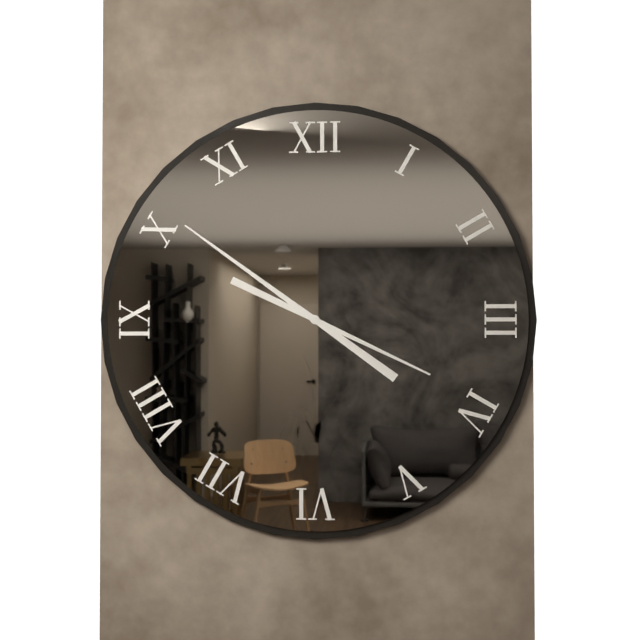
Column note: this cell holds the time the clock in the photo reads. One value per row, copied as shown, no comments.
3:51
